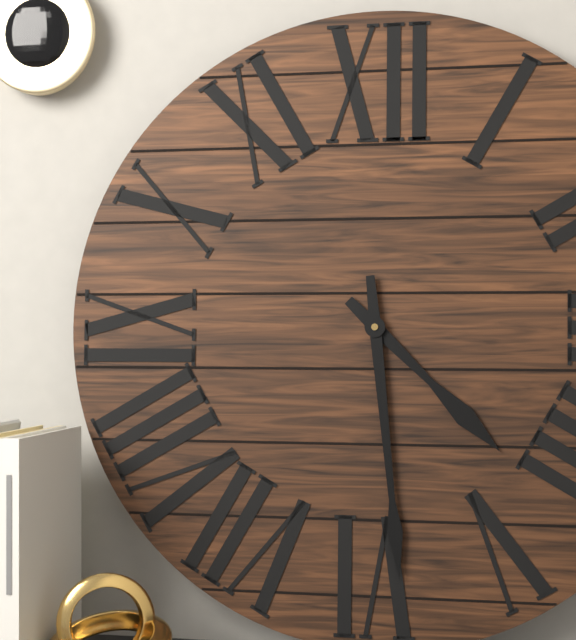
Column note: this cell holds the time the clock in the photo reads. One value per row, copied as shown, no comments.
4:29
